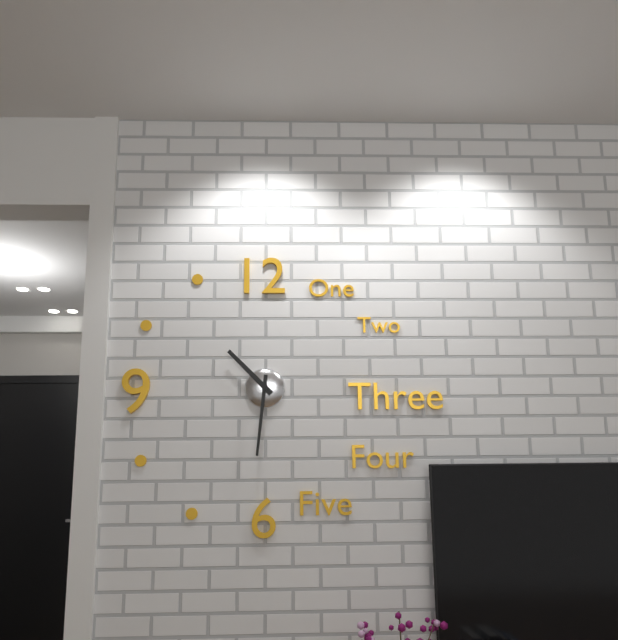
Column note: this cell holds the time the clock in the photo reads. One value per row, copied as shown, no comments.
10:31
